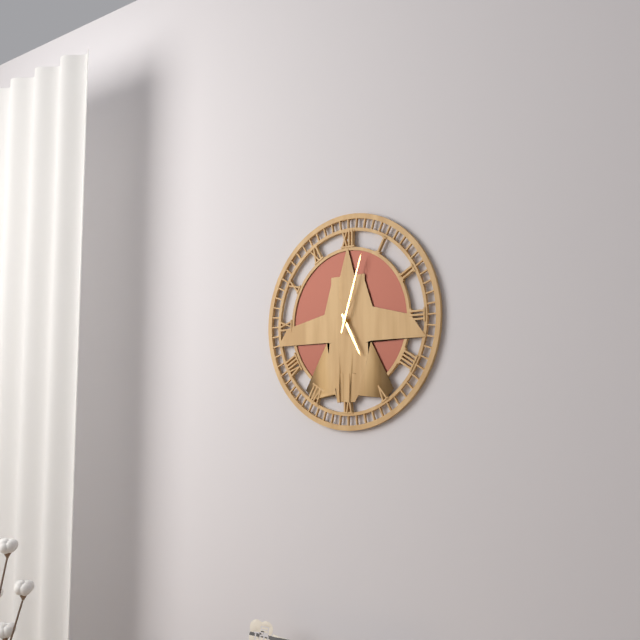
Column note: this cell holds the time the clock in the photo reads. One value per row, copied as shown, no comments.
5:03
